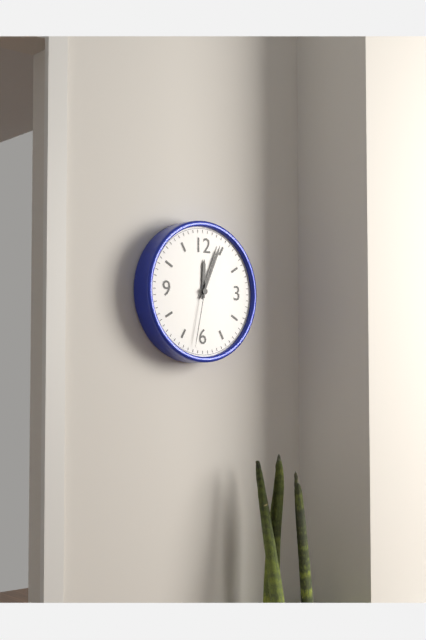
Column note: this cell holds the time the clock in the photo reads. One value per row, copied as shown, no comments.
12:04:32
